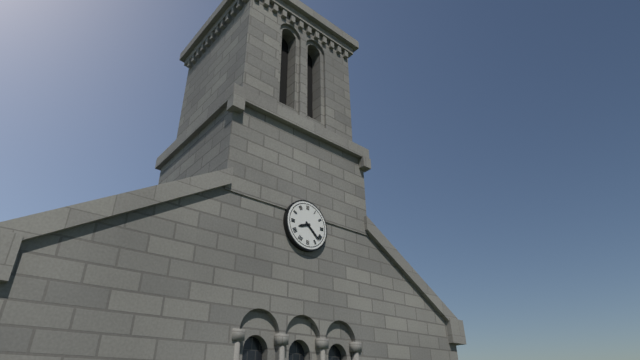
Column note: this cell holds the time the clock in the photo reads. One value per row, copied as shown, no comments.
8:22
